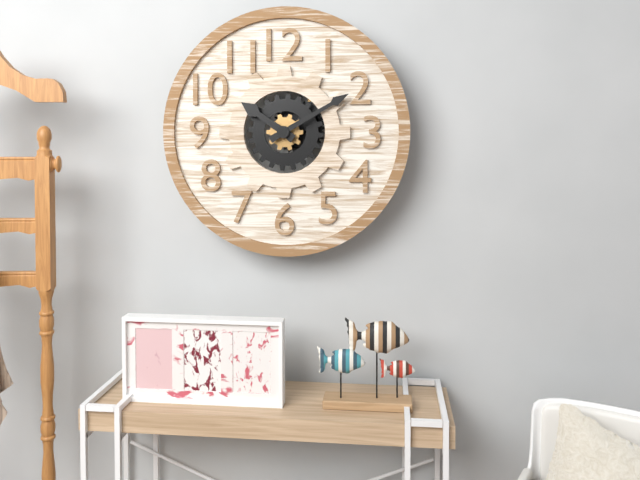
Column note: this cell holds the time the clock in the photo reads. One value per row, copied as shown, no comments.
10:10
